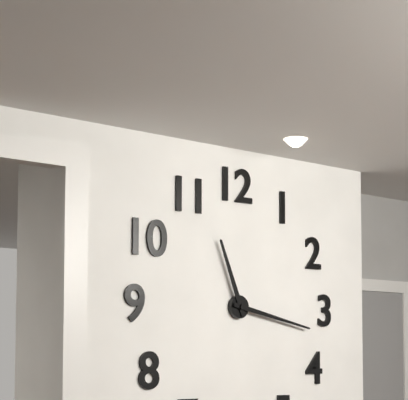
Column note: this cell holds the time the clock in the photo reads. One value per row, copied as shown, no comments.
11:17
